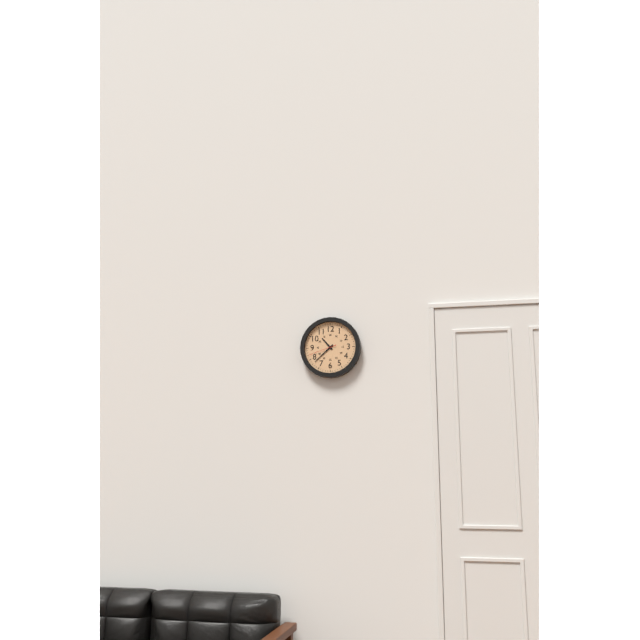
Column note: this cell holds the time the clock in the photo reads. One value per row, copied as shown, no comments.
10:38
